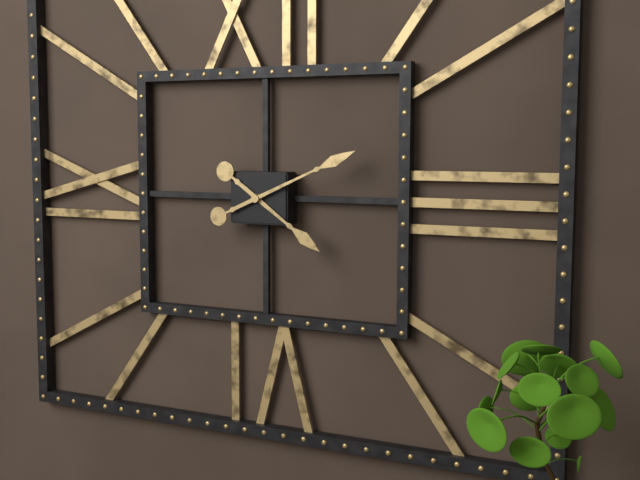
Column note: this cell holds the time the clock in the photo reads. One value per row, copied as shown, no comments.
4:11
